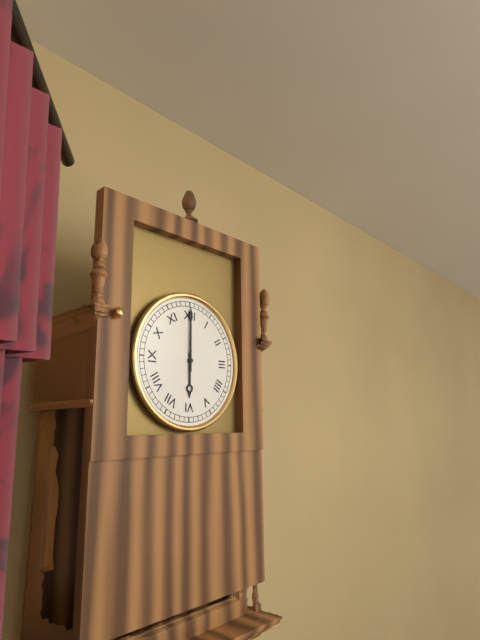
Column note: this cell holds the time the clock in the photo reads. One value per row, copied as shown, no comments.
6:00
